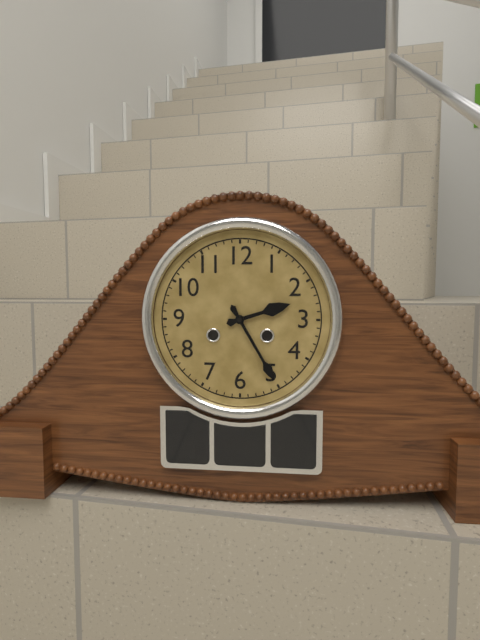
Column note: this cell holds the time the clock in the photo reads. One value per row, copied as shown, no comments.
2:25
